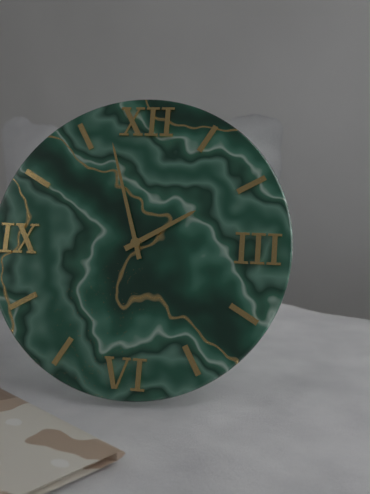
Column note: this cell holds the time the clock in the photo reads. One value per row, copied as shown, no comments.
1:57
